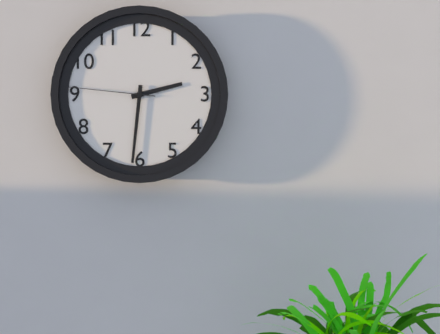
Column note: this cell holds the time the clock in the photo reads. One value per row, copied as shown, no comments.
2:31:46
